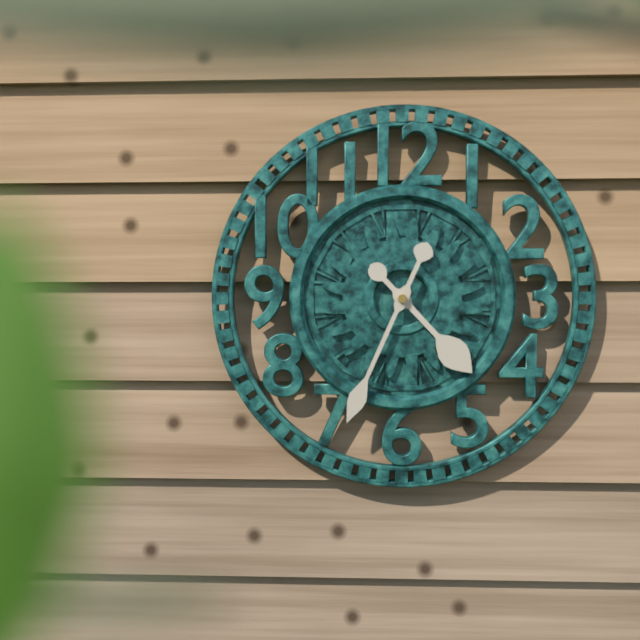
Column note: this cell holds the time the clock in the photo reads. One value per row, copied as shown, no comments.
4:34
